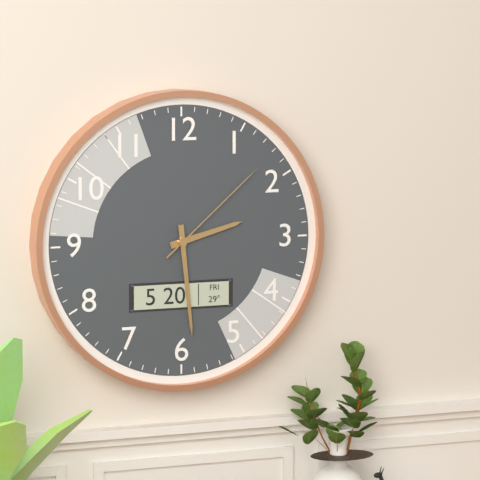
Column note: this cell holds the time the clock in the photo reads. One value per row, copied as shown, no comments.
2:29:08
